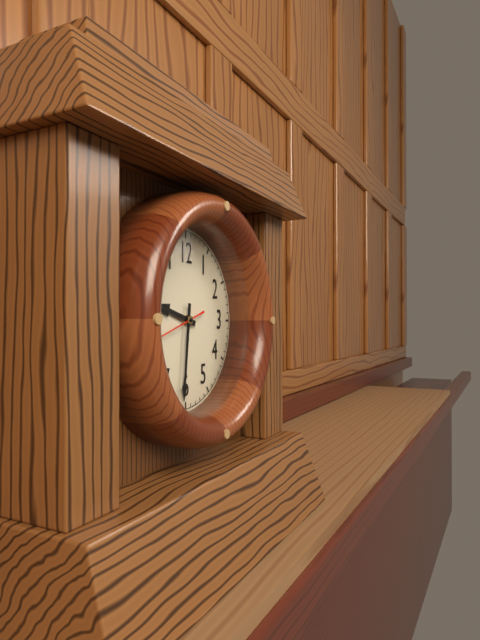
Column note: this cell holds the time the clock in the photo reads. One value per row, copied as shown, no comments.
9:31
